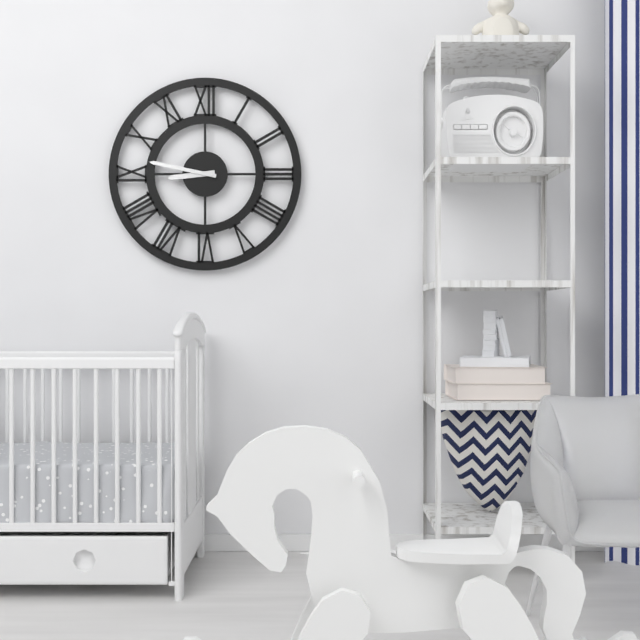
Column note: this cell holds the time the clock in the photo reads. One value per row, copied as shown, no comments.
8:47
